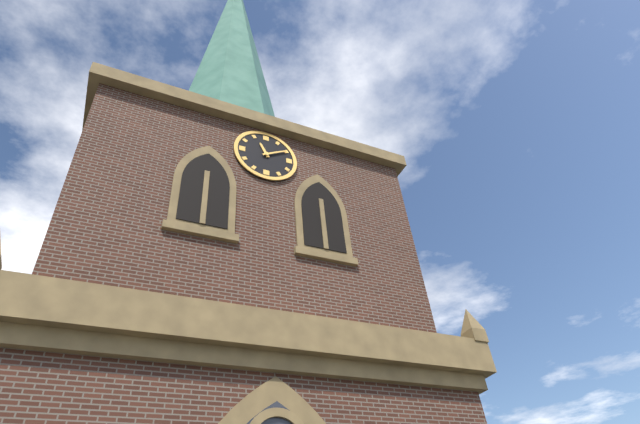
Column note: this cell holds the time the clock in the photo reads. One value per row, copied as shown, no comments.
11:10
